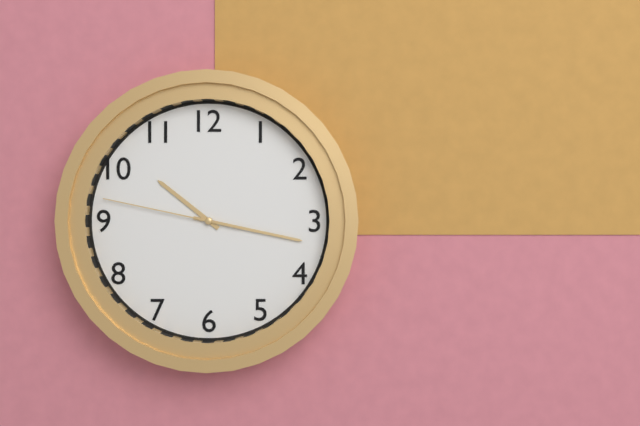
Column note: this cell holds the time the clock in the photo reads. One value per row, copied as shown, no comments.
10:17:47
